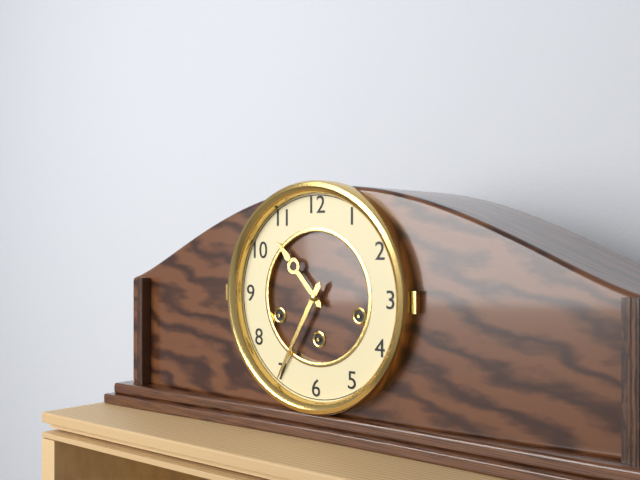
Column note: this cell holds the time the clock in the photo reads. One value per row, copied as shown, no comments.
10:35
